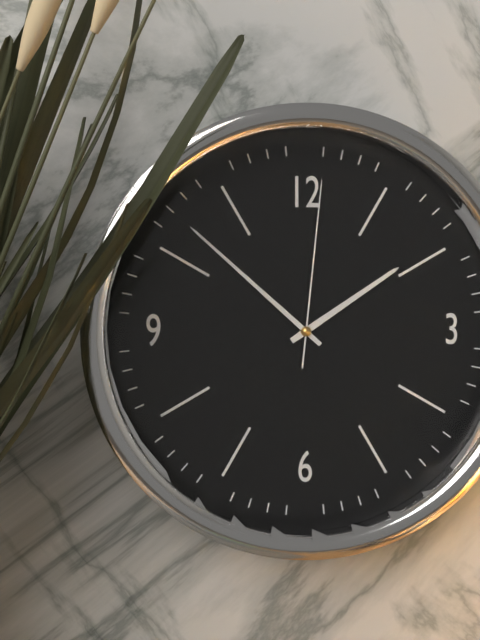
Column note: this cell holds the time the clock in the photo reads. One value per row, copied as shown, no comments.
1:52:01
